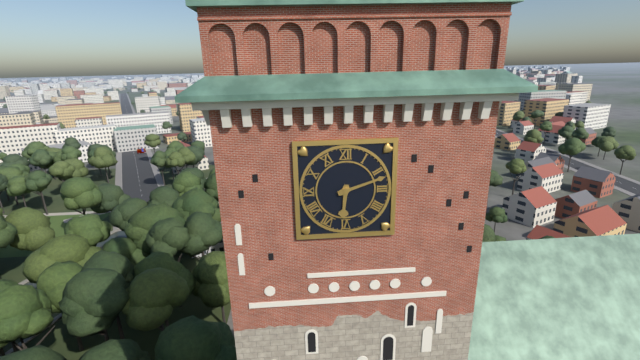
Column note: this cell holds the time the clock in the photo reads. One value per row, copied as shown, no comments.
6:12
